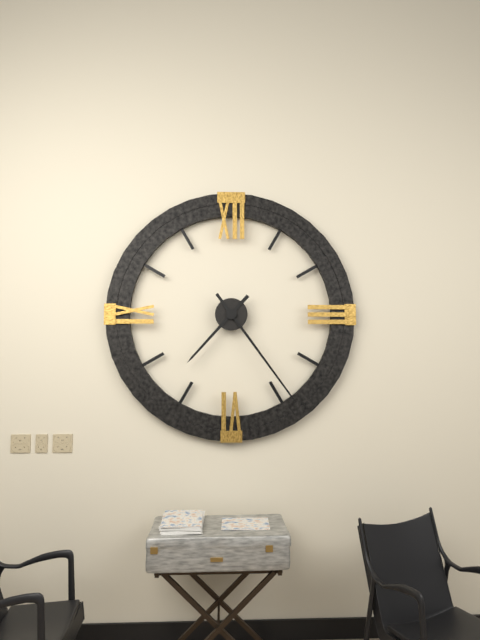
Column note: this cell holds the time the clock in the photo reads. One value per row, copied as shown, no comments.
7:24
